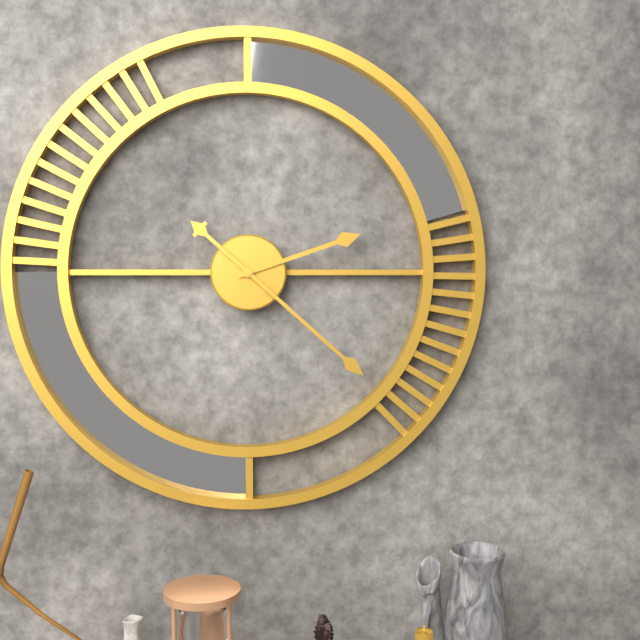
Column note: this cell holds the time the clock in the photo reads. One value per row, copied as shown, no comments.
2:22
